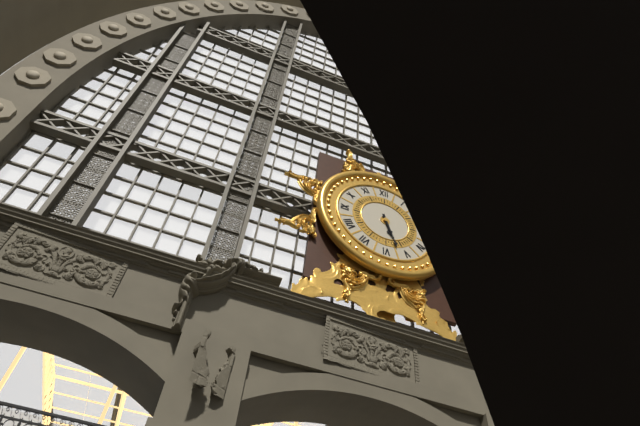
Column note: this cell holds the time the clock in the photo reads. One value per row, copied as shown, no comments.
5:27
